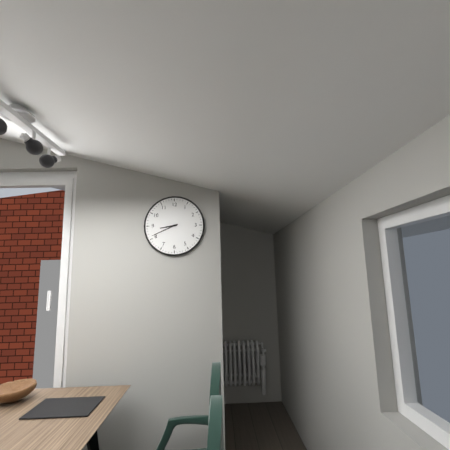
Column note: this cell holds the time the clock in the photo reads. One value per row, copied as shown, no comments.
8:41
